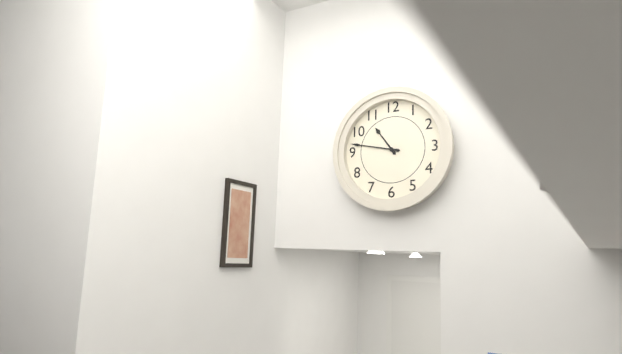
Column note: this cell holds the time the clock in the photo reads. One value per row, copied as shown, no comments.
10:47
